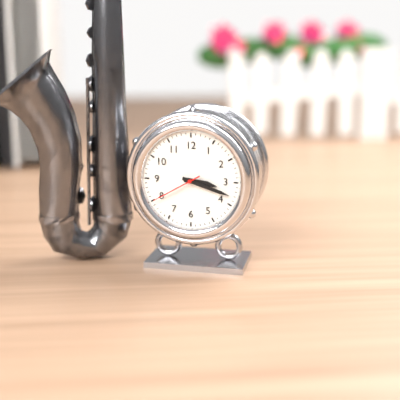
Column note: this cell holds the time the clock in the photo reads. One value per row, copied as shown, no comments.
3:18:40
